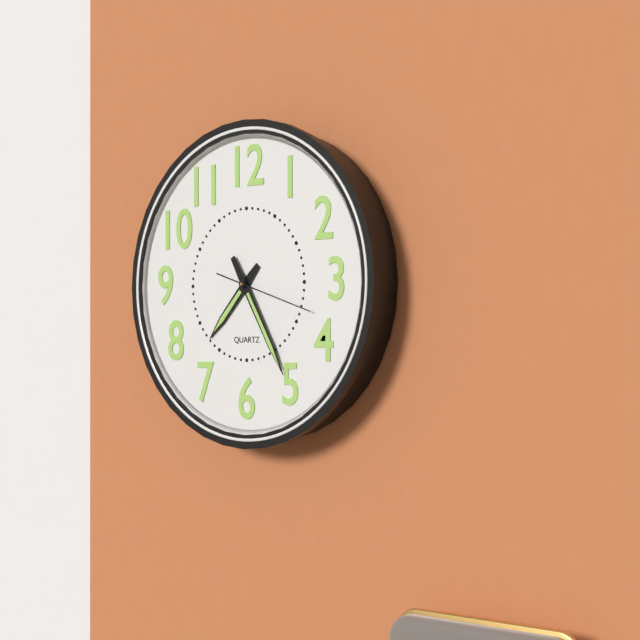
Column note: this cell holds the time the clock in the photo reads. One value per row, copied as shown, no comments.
7:25:18
